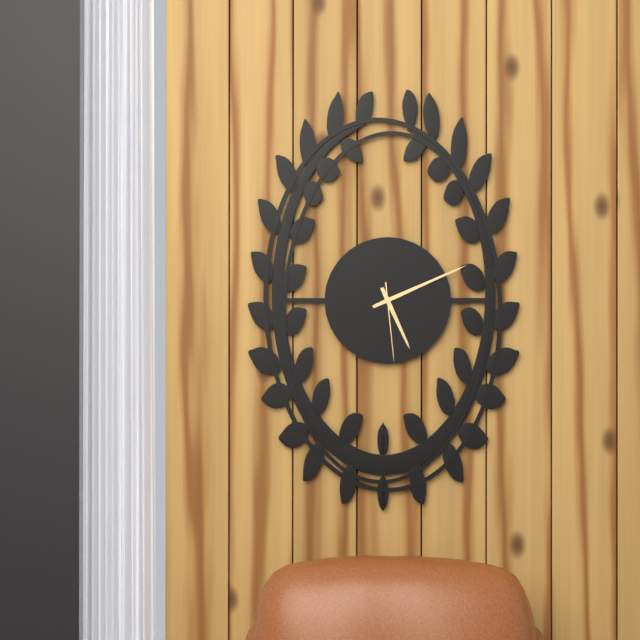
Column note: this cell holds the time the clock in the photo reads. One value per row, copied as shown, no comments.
5:11:29
